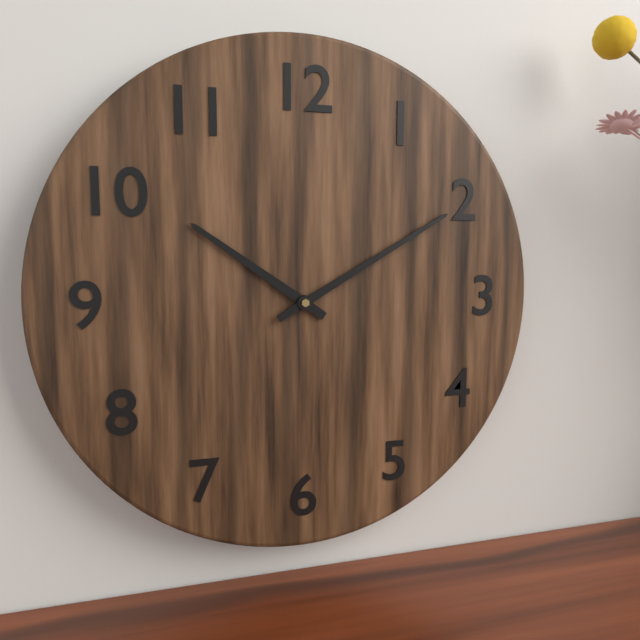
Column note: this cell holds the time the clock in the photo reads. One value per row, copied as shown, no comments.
10:10
